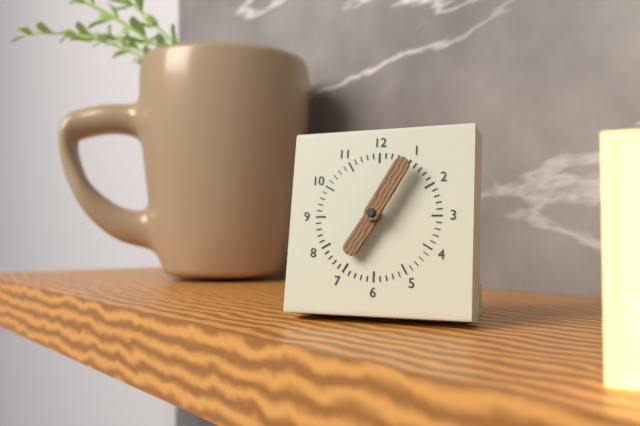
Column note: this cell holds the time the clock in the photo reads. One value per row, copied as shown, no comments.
7:05
